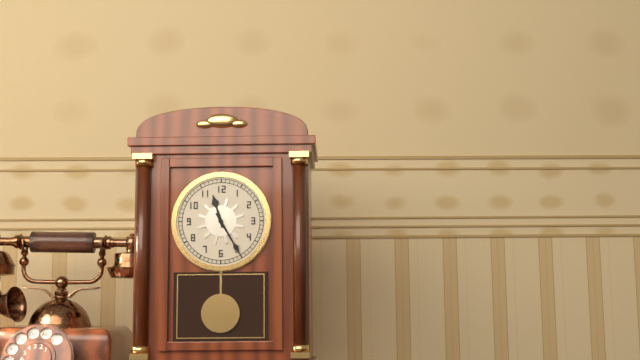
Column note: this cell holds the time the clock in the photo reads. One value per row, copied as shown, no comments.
11:25
